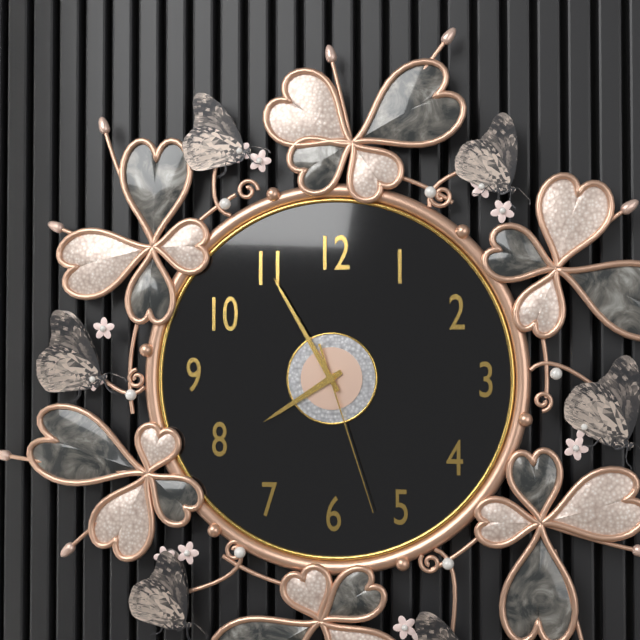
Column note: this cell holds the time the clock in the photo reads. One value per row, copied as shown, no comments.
7:55:27
